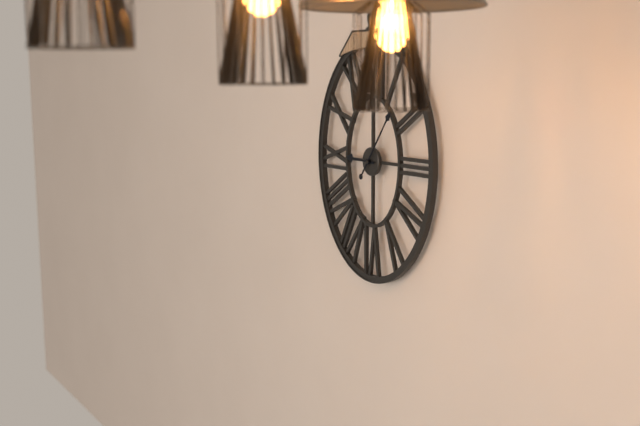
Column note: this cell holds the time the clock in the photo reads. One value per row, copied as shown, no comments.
9:06
